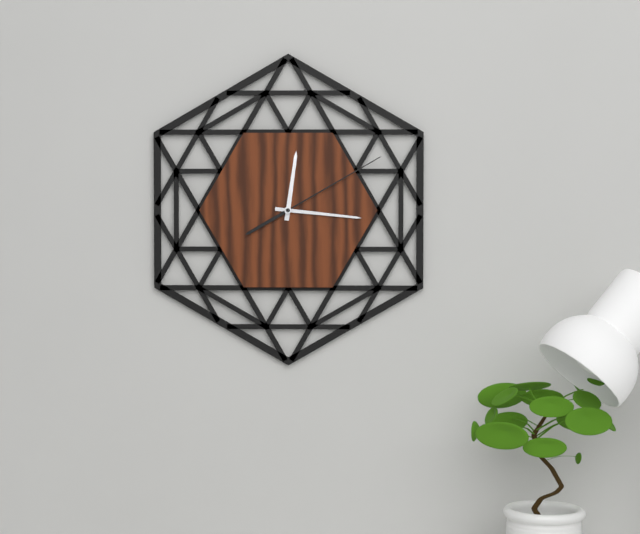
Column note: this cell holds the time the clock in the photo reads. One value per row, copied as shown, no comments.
12:16:10
